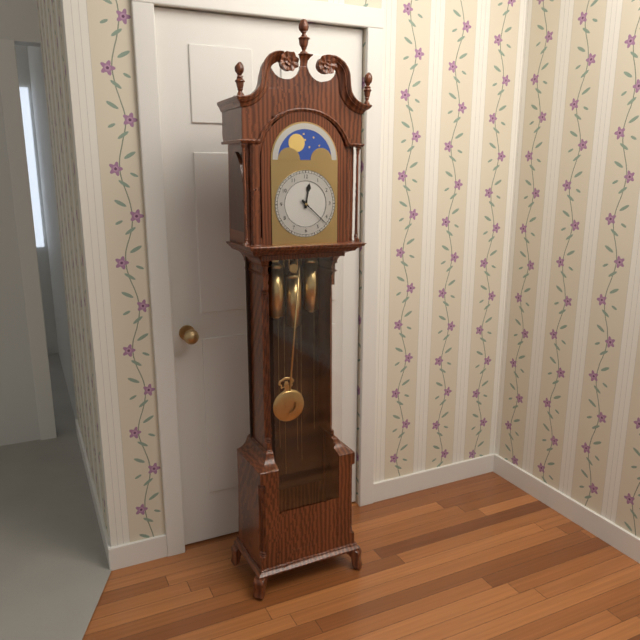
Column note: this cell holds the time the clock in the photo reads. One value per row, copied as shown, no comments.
12:22
